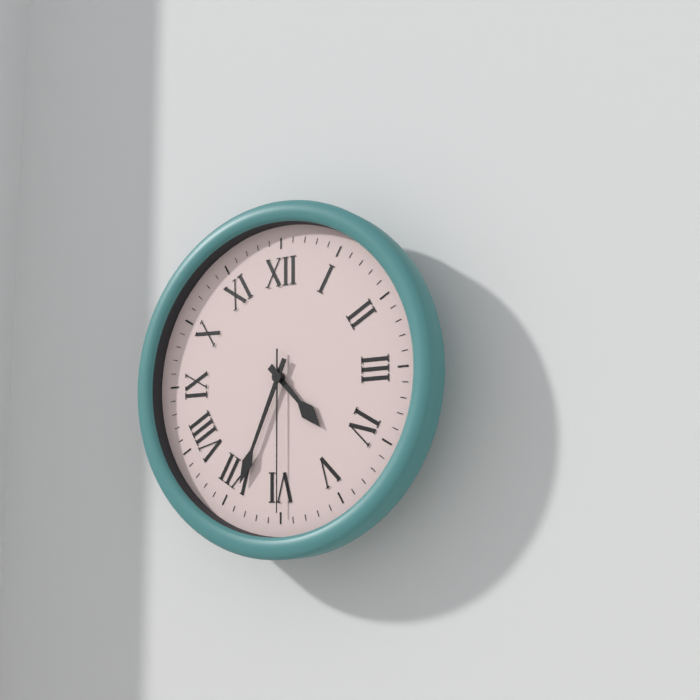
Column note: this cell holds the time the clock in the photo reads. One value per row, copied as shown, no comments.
4:34:30
